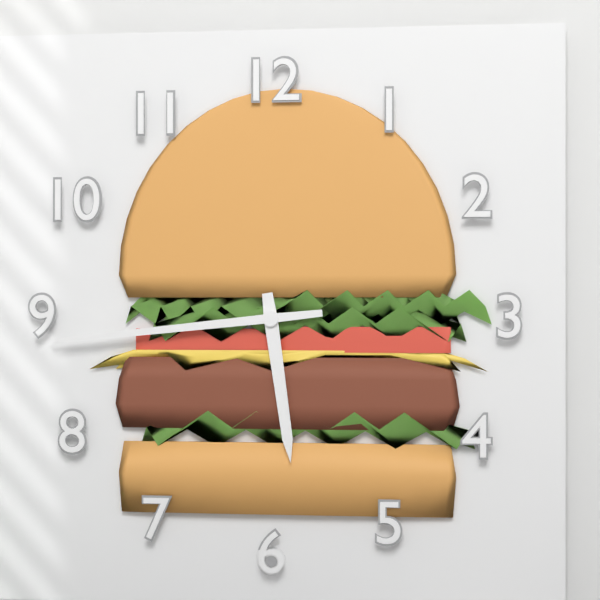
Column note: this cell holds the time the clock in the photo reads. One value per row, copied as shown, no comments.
5:44
